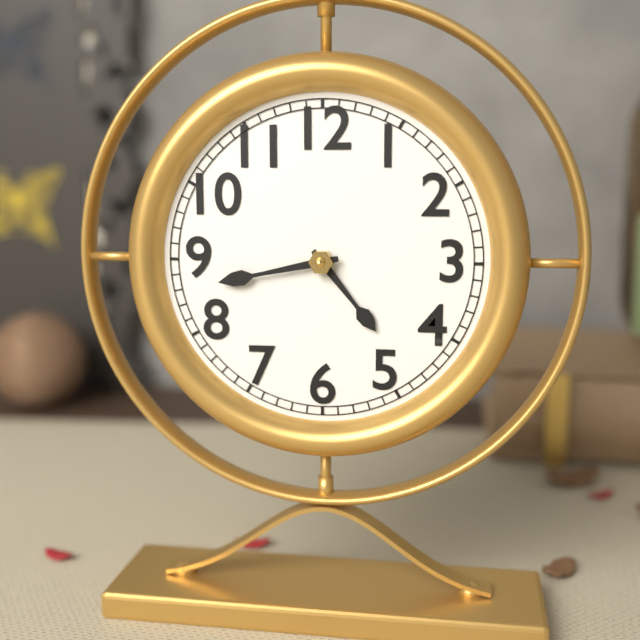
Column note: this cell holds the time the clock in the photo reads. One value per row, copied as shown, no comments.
4:43
